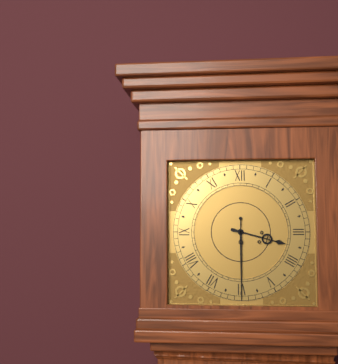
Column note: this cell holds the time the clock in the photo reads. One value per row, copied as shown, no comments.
3:30
